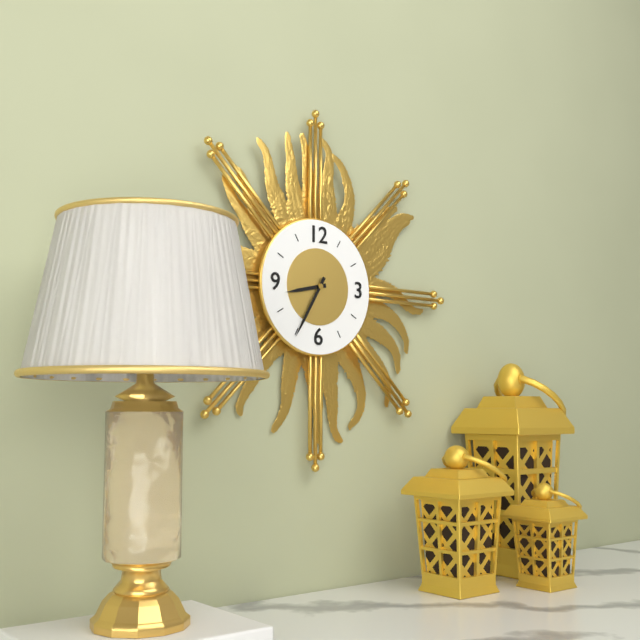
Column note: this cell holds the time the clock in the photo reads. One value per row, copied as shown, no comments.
8:35
